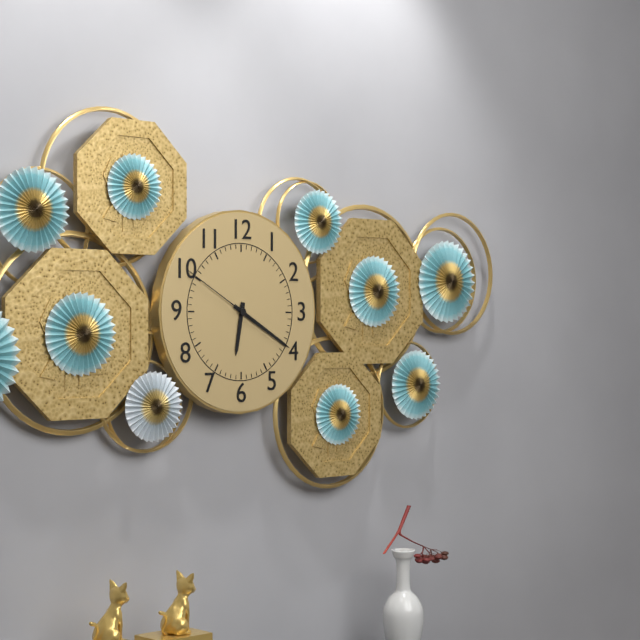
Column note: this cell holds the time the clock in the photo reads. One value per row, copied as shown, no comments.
6:20:50
